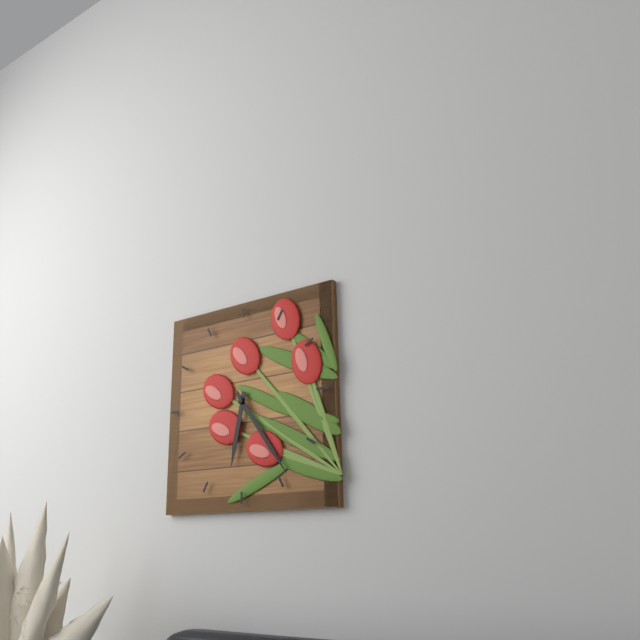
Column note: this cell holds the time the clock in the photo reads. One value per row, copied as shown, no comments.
6:24
